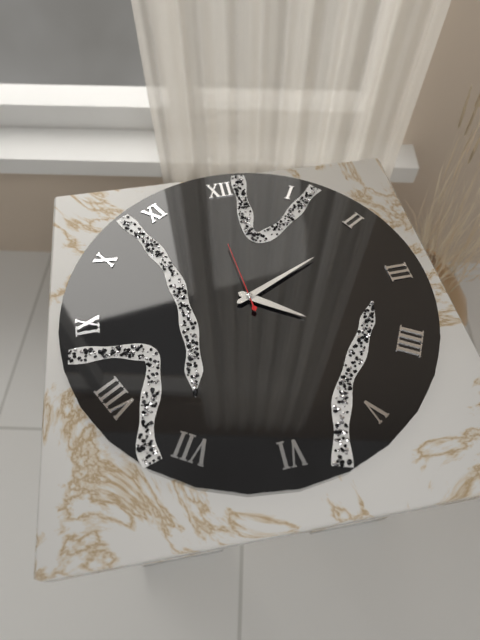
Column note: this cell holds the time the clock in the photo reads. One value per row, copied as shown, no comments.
4:11:59
